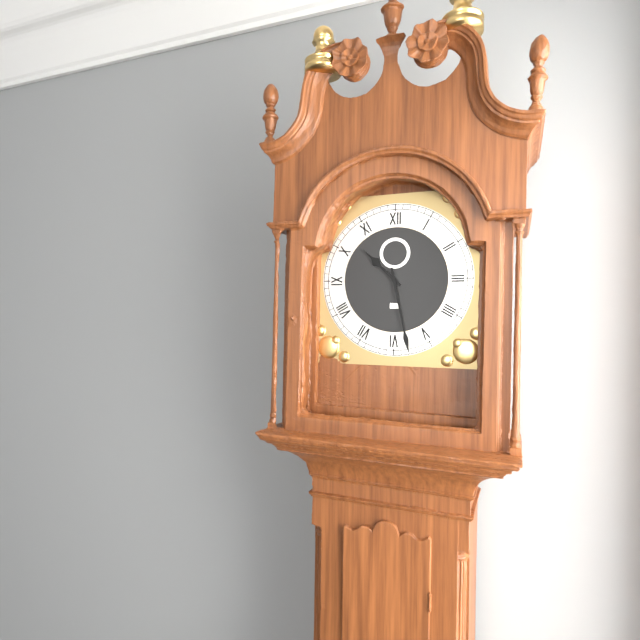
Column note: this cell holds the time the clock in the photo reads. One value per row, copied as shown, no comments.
10:28
